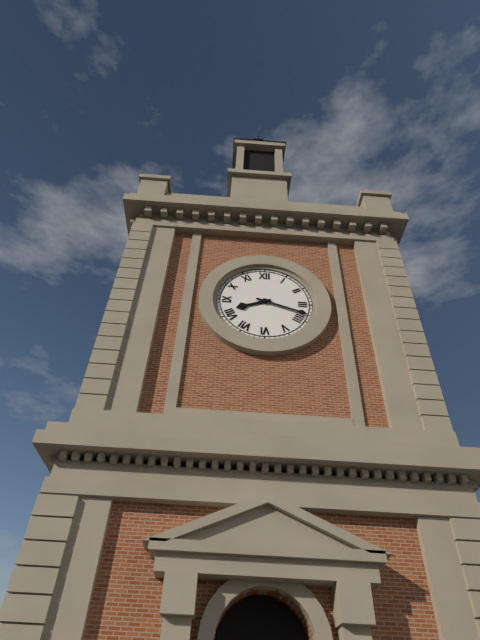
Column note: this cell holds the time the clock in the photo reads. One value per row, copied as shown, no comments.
8:18
